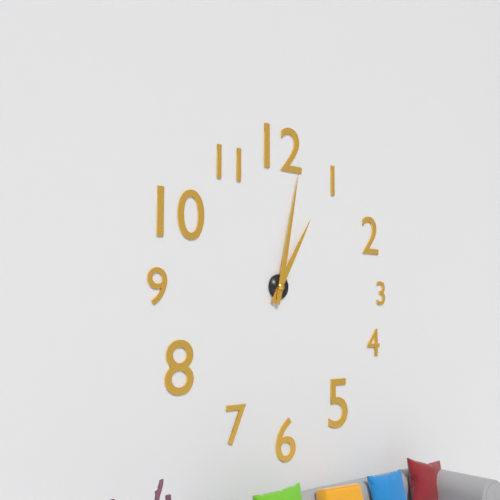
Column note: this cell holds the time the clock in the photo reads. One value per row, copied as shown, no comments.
1:02
